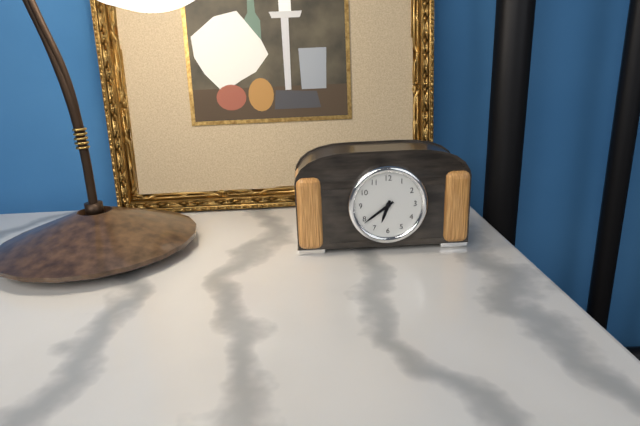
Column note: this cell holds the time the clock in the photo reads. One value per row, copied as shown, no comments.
6:39
